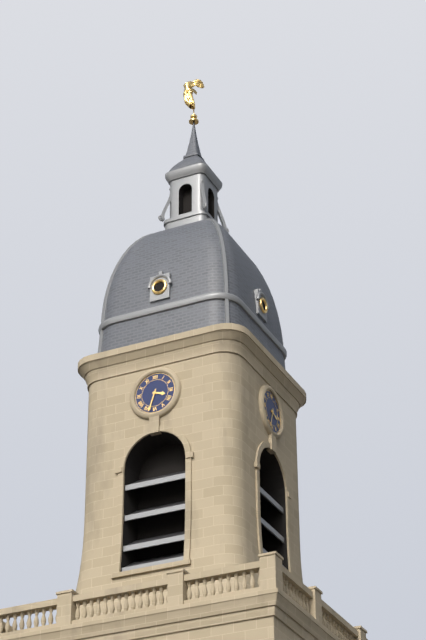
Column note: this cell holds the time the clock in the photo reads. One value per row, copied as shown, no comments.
3:33
